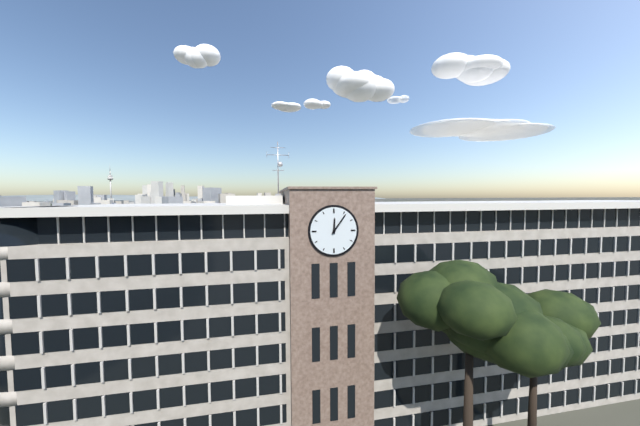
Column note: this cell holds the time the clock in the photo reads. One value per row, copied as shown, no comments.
12:06
